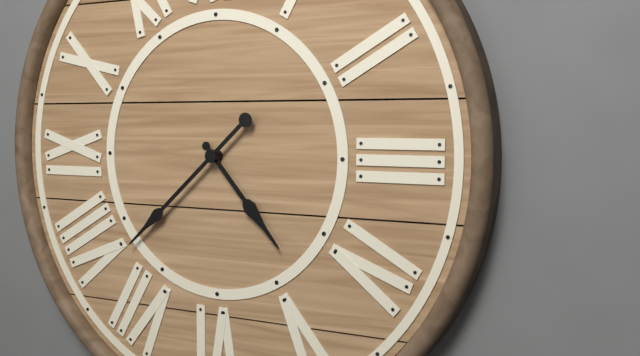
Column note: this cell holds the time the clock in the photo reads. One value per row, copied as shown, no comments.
4:38
